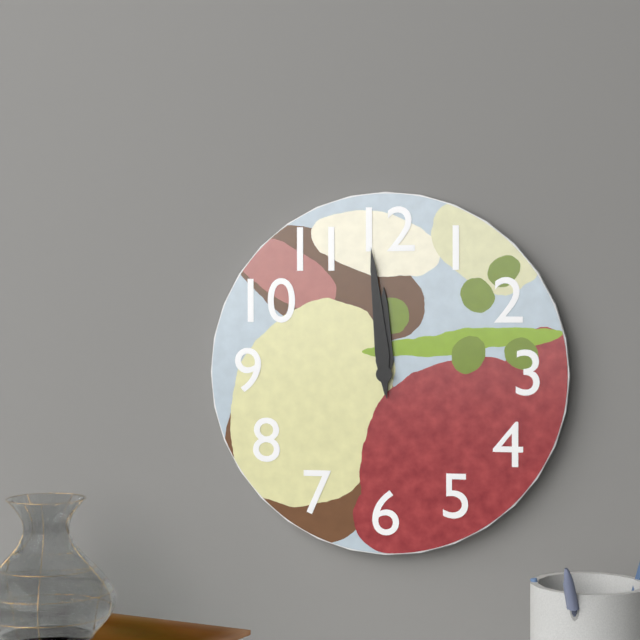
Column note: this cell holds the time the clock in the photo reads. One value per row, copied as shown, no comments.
11:59
